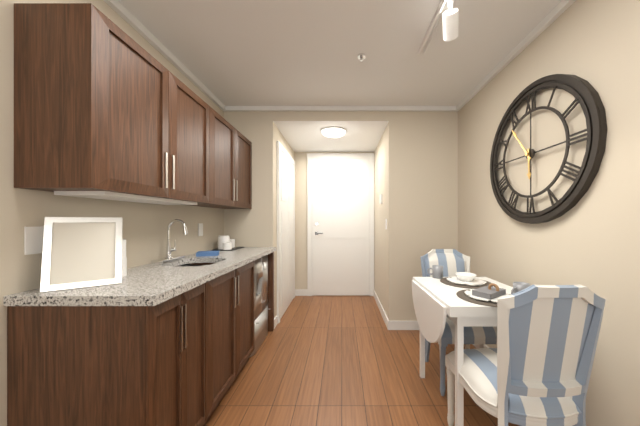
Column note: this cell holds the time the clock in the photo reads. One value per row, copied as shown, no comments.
5:54
